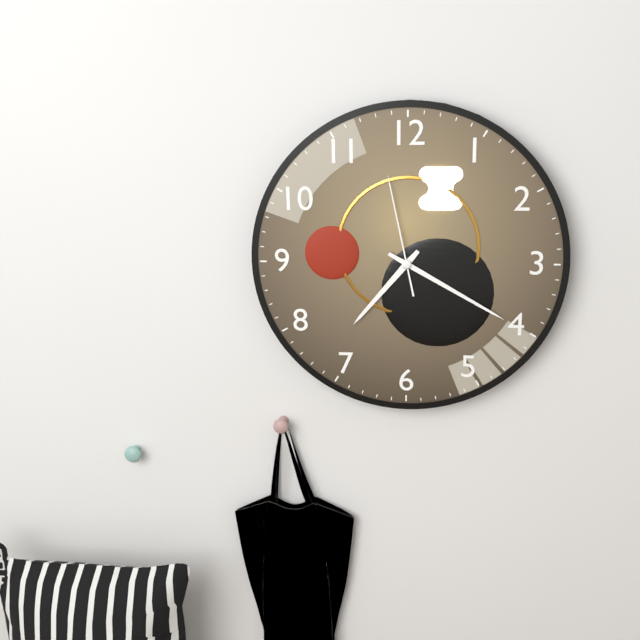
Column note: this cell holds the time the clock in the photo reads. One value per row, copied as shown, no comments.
7:20:58
